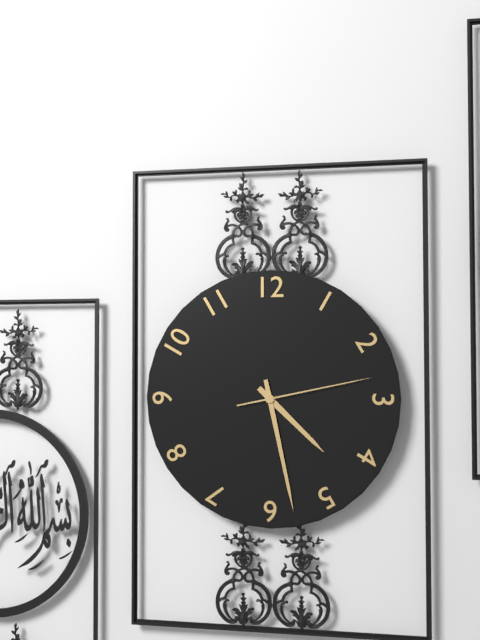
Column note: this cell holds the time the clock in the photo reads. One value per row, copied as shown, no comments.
4:28:13
